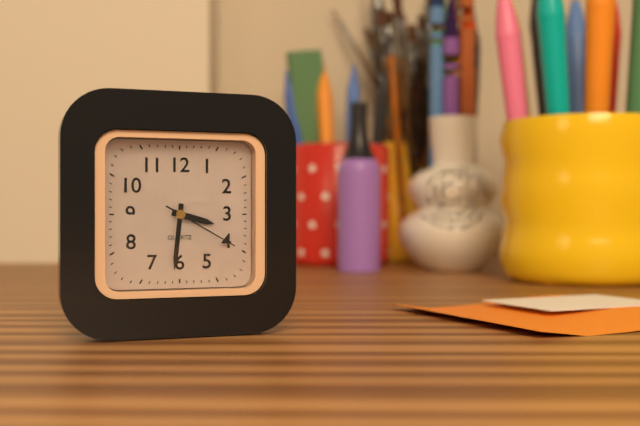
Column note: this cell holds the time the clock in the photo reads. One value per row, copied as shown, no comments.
3:31:20
